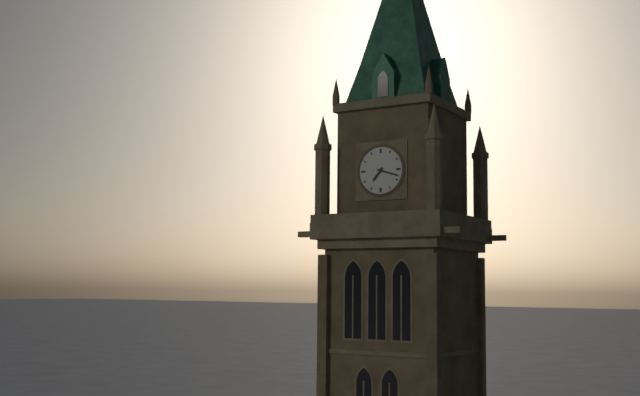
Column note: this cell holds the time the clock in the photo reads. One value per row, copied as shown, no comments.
7:18
